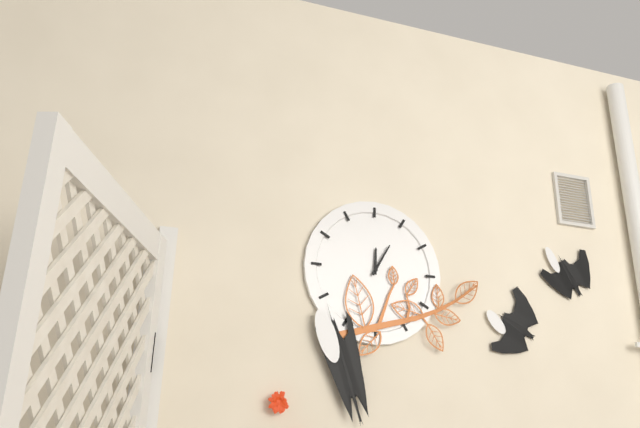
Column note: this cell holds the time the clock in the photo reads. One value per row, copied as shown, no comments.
12:05
